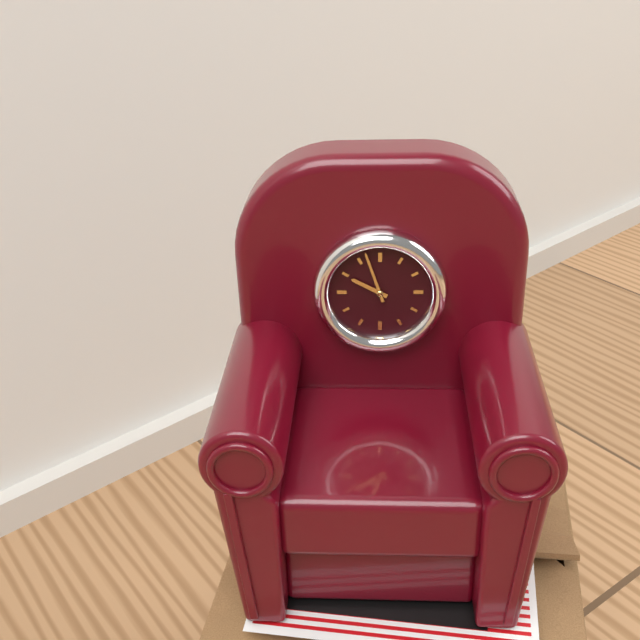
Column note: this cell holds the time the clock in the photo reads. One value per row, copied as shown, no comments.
9:57
